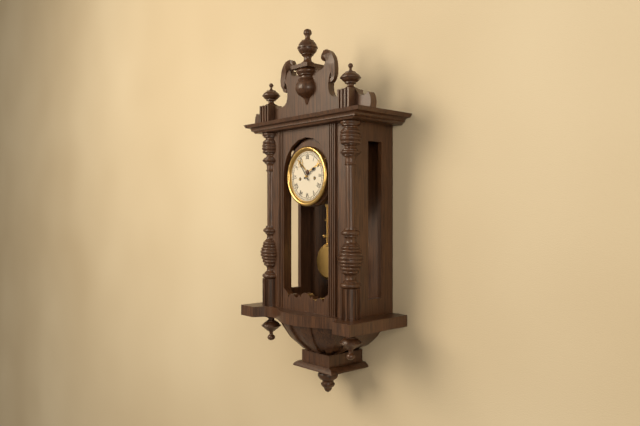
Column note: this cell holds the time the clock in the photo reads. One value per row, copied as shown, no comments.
1:54
